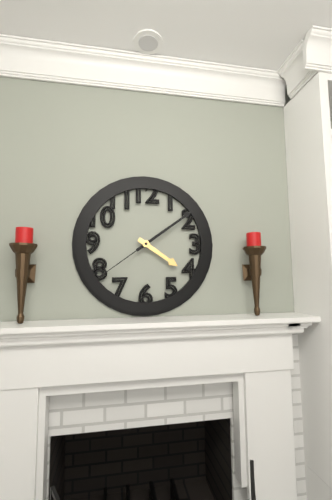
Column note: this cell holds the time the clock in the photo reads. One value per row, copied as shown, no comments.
4:09:39
